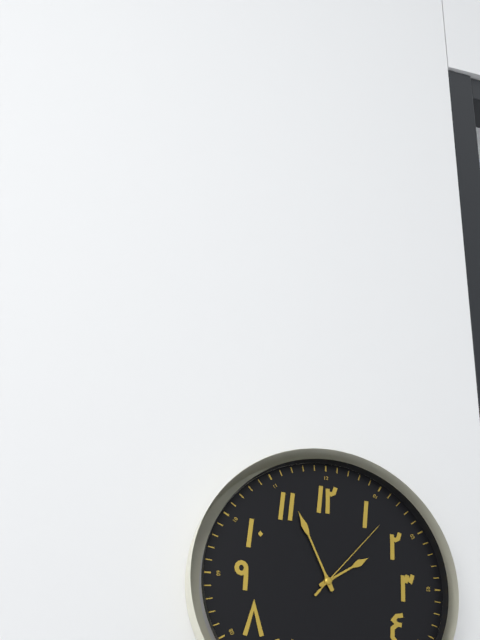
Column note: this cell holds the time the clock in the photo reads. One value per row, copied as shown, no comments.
1:56:07
